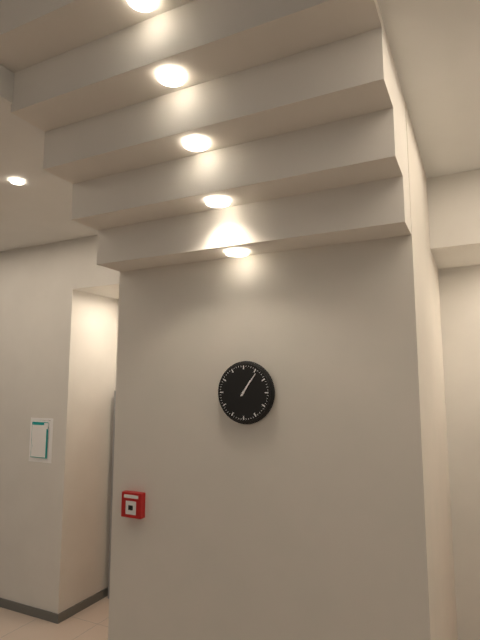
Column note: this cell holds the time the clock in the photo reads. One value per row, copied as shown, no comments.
1:06
